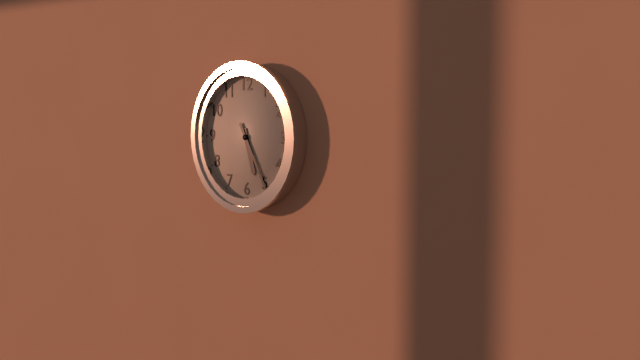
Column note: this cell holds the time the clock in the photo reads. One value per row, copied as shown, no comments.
5:25
